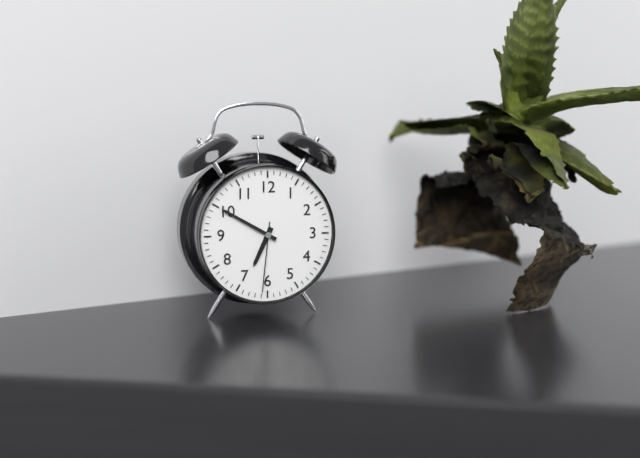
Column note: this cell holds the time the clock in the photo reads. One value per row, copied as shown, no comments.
6:50:31
